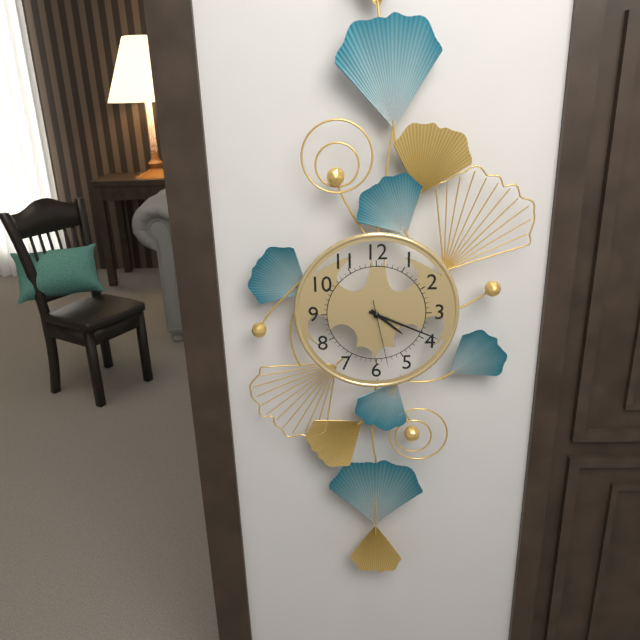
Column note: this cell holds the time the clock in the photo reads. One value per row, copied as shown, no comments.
4:19:28
